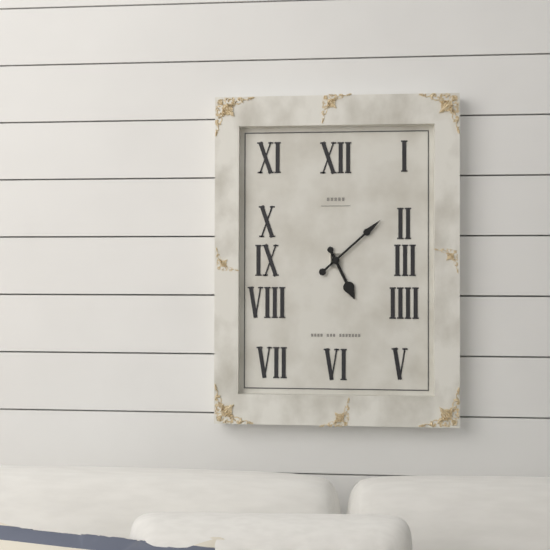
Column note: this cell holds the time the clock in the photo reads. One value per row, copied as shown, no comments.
5:08
